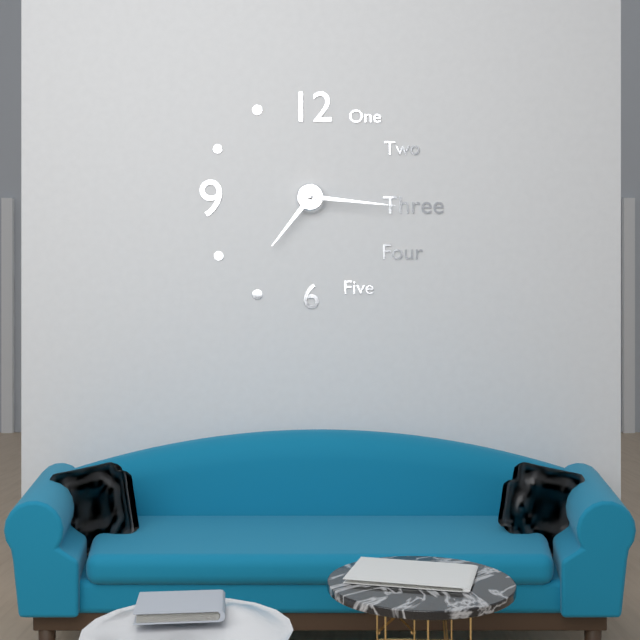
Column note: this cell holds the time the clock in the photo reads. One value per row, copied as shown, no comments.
7:16
